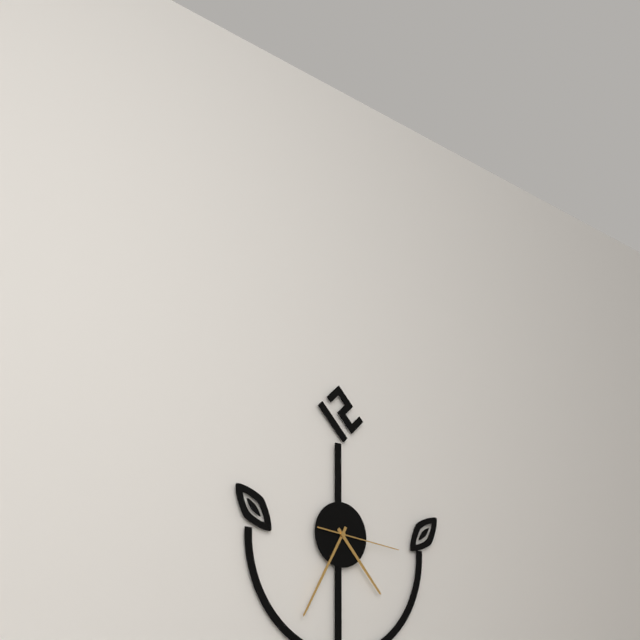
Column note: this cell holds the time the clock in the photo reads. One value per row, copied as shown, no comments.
4:35:16
